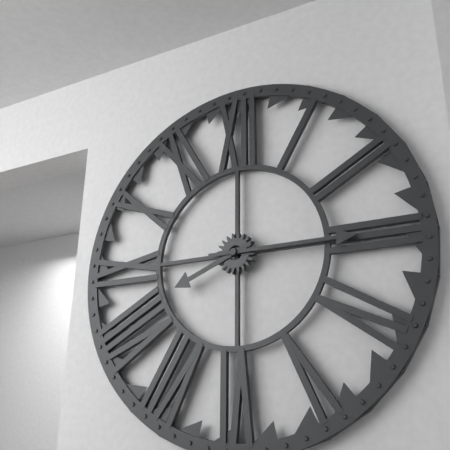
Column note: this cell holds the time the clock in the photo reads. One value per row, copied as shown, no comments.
8:15
